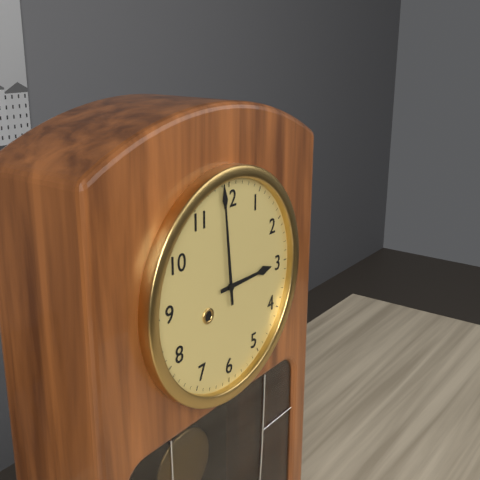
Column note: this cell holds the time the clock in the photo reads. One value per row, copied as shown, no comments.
2:59
